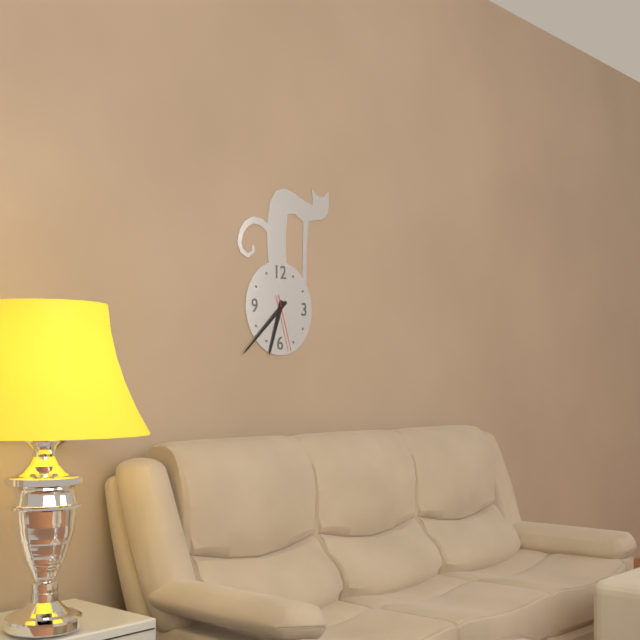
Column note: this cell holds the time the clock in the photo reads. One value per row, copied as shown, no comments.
6:38:27
